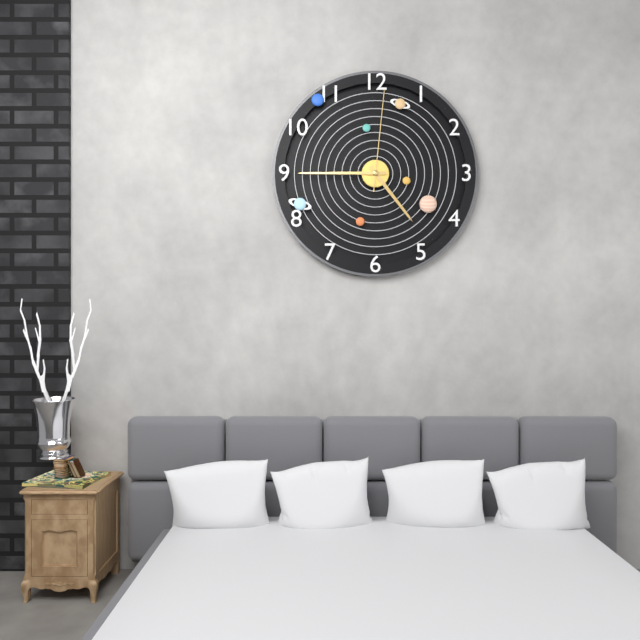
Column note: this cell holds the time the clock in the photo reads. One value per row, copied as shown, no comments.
4:45:01
